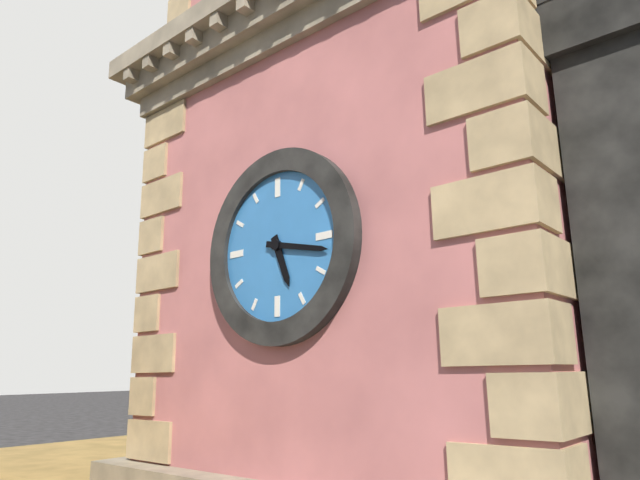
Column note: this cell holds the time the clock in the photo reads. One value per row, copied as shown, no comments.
5:17
